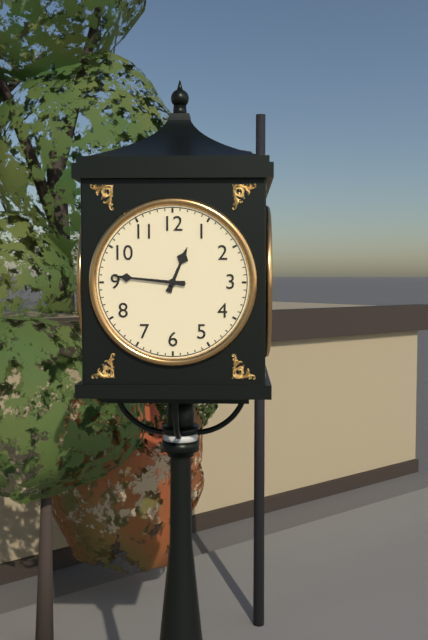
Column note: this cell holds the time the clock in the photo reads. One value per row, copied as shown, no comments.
12:46
